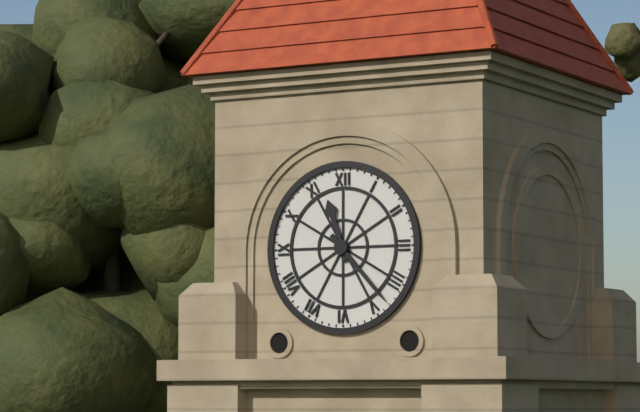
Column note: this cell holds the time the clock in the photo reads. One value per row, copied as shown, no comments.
11:23
